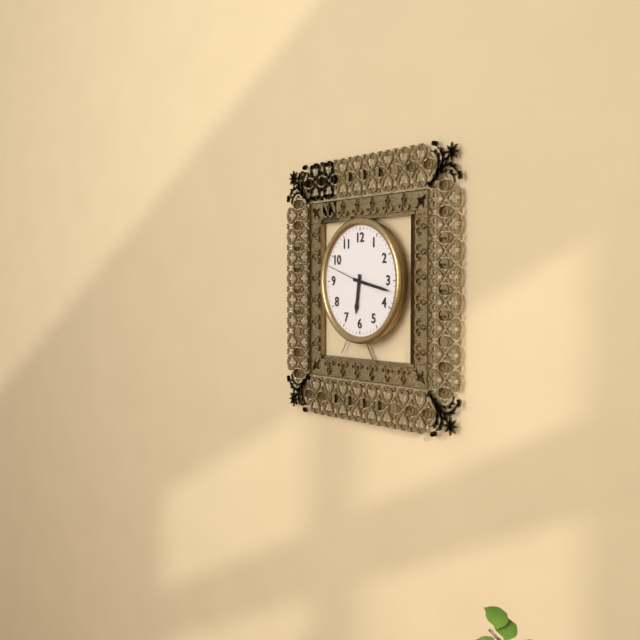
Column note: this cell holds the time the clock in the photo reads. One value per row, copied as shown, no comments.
6:17
